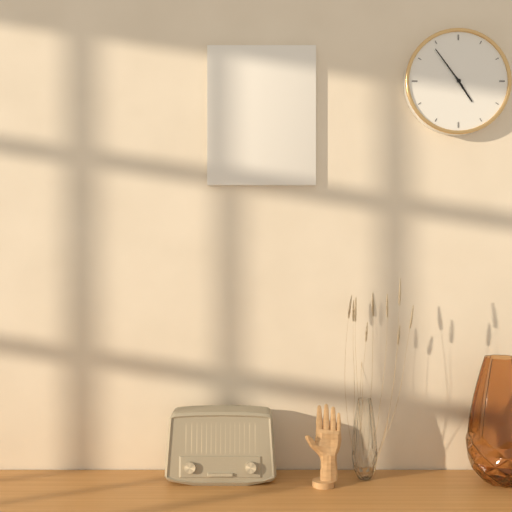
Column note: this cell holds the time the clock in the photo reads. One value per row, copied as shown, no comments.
4:54
